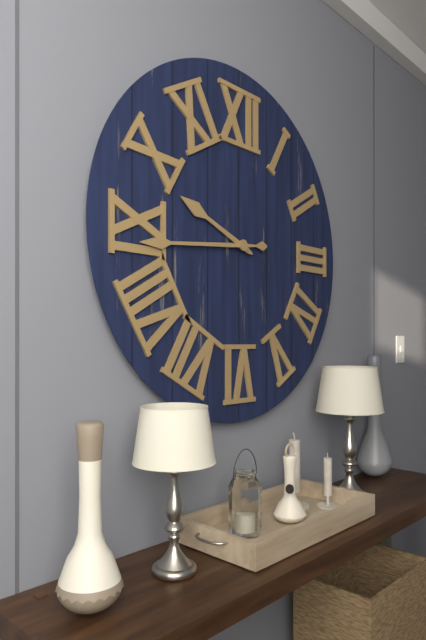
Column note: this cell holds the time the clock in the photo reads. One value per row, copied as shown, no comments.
9:44
